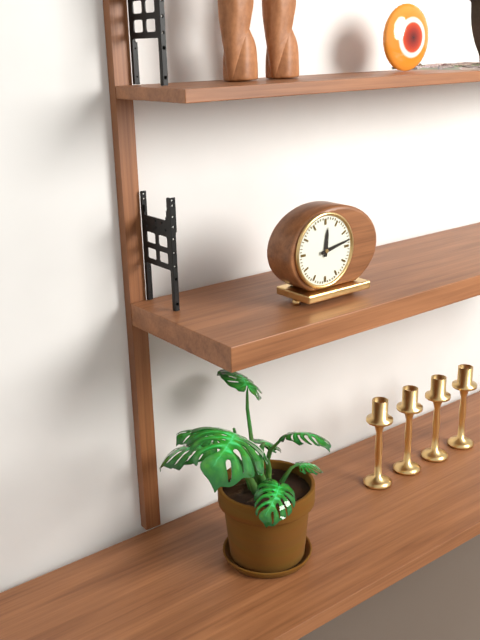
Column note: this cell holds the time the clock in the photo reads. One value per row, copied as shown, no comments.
12:13
